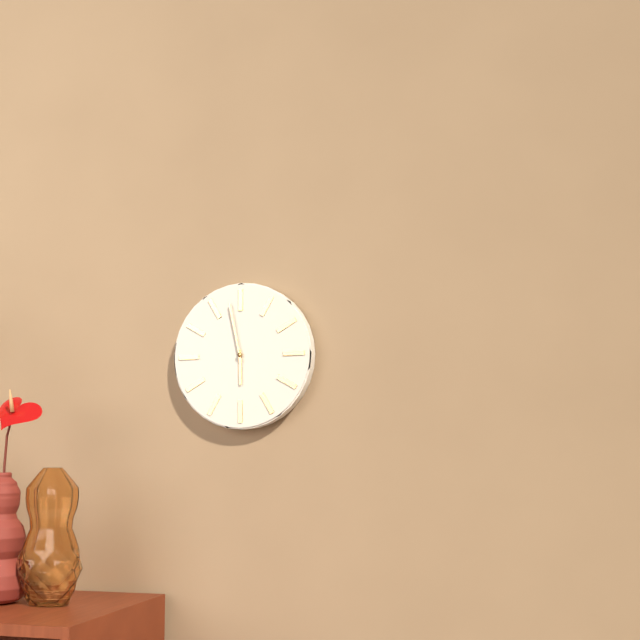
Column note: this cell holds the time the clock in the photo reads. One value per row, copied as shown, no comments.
5:58
